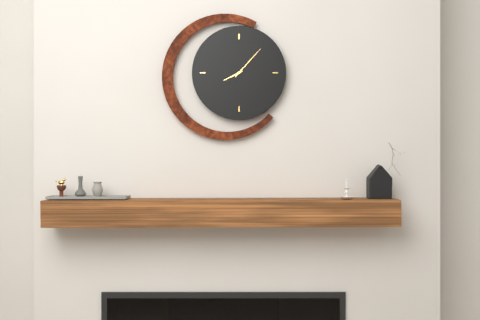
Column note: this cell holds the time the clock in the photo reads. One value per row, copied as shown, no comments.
8:07
